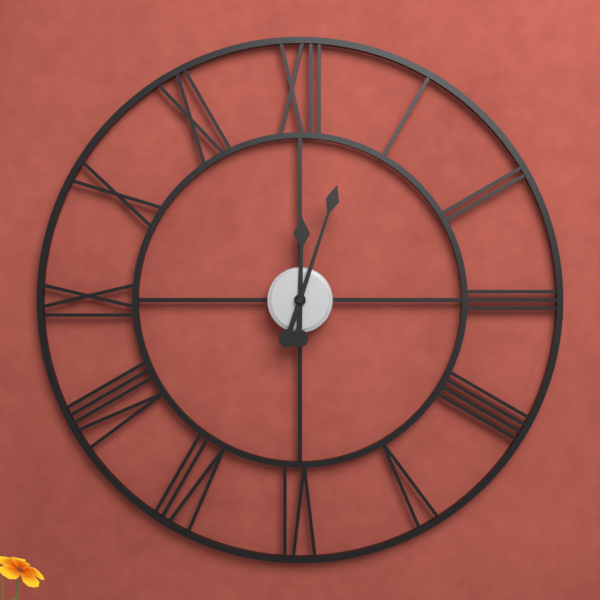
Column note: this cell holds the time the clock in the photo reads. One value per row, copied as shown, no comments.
12:03
